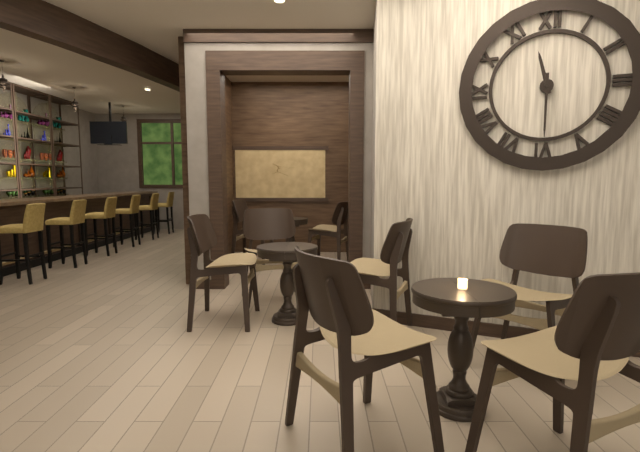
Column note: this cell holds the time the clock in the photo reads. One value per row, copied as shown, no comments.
11:30
